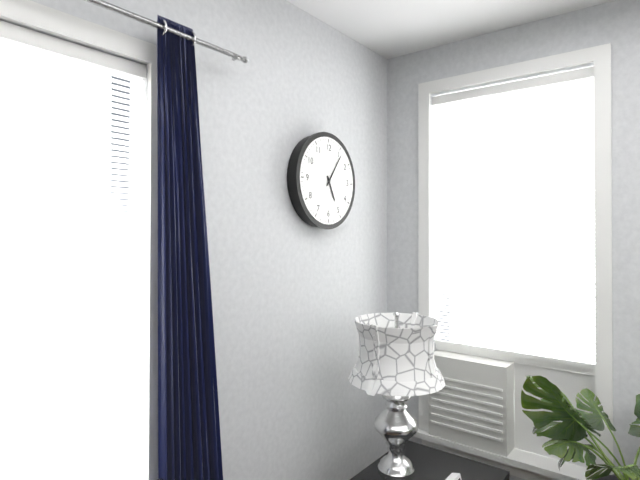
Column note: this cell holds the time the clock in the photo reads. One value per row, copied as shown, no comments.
5:06
